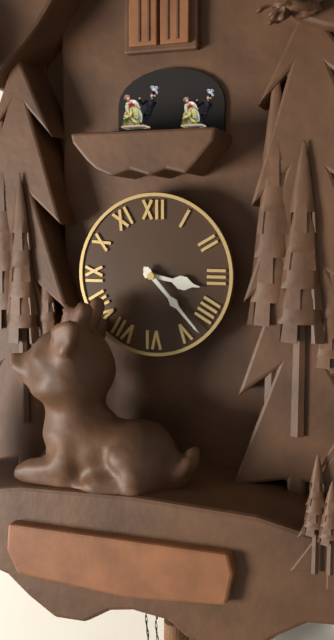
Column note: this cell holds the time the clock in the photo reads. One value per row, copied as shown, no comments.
3:23
